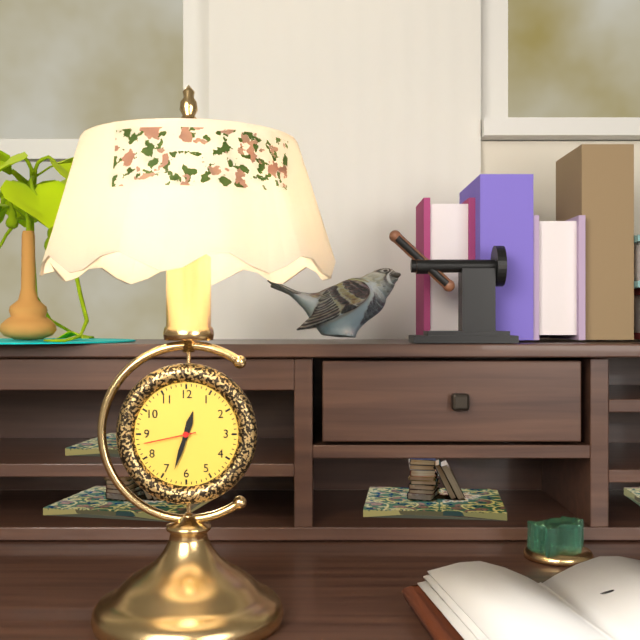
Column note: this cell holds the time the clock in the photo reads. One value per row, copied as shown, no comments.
12:33:43
